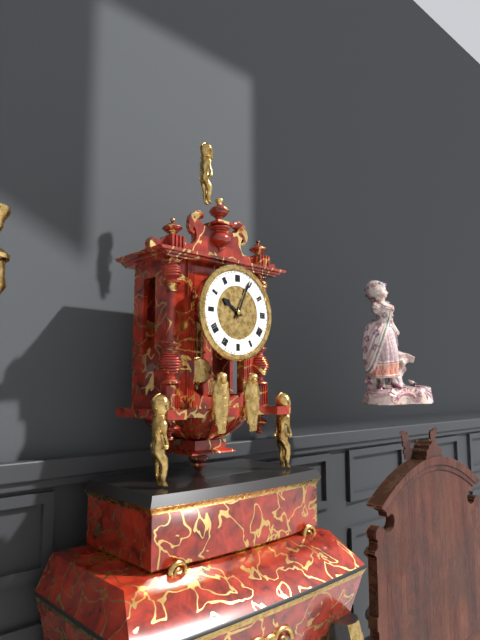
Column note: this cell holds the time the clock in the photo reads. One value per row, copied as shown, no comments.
10:04
